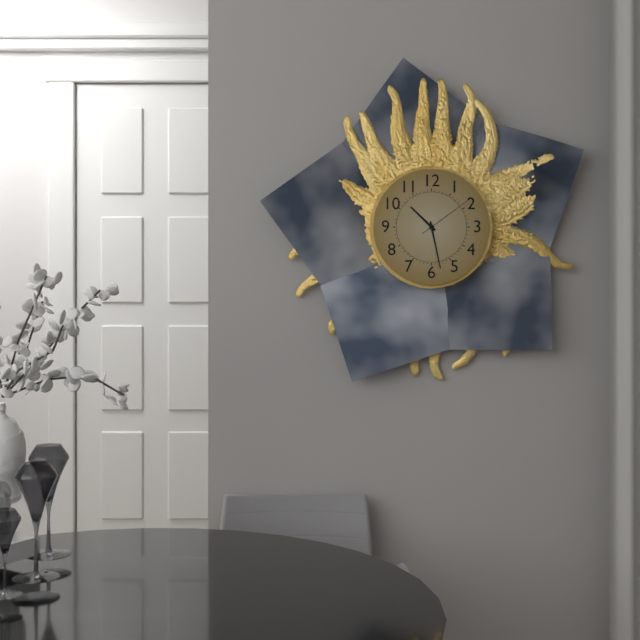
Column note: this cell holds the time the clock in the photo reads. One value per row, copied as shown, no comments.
10:28:09
